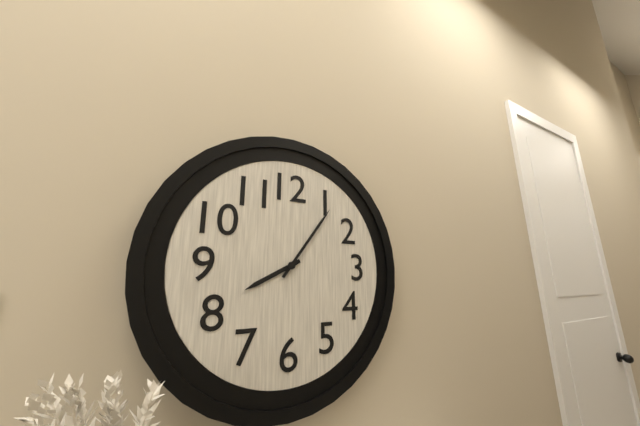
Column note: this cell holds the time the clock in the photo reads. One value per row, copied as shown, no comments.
8:06
